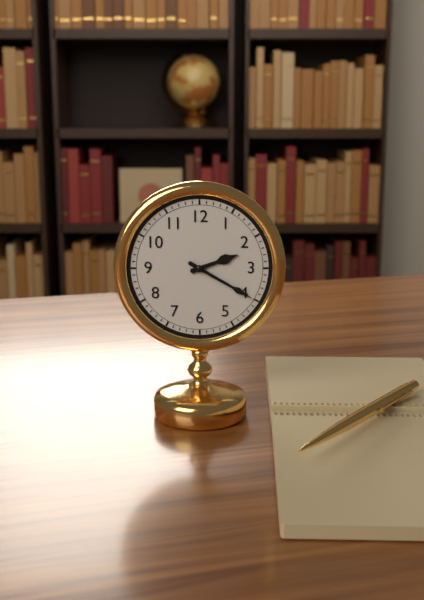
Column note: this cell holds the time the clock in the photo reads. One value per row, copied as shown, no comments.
2:20
